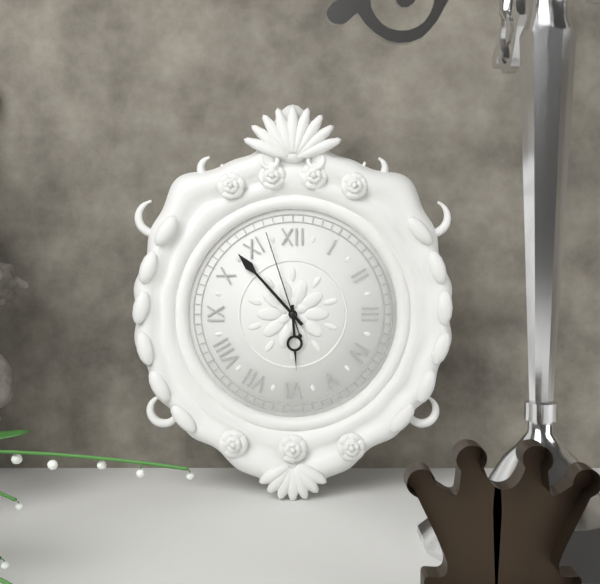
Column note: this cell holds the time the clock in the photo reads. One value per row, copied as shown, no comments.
5:53:57
